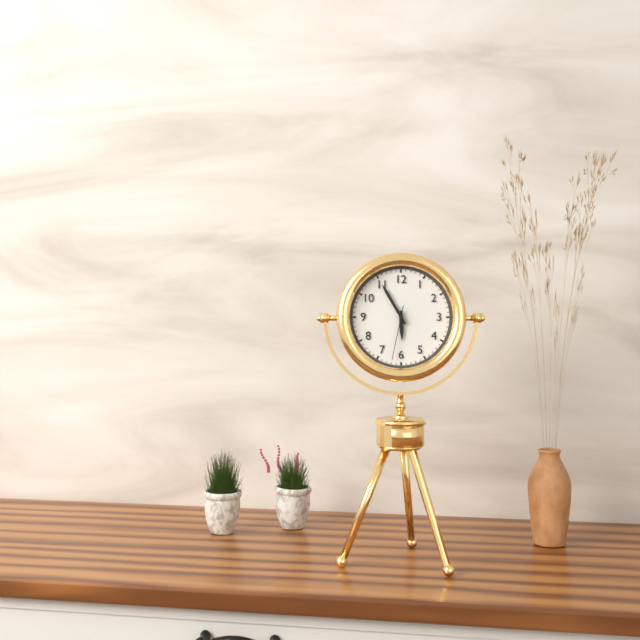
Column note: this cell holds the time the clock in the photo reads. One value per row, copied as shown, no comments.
5:55:32
